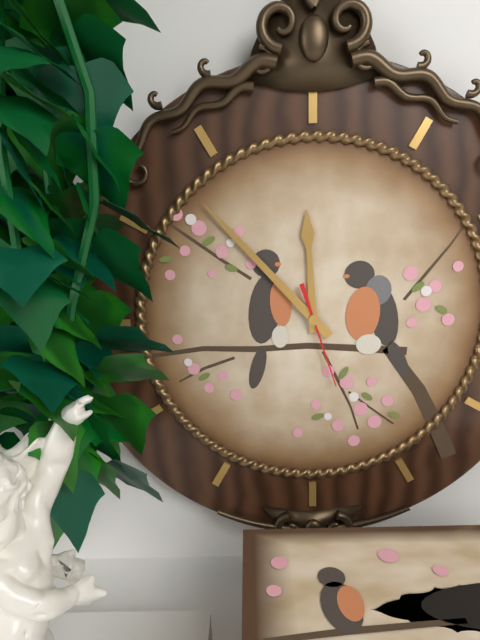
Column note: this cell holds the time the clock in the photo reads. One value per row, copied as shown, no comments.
11:53:27
